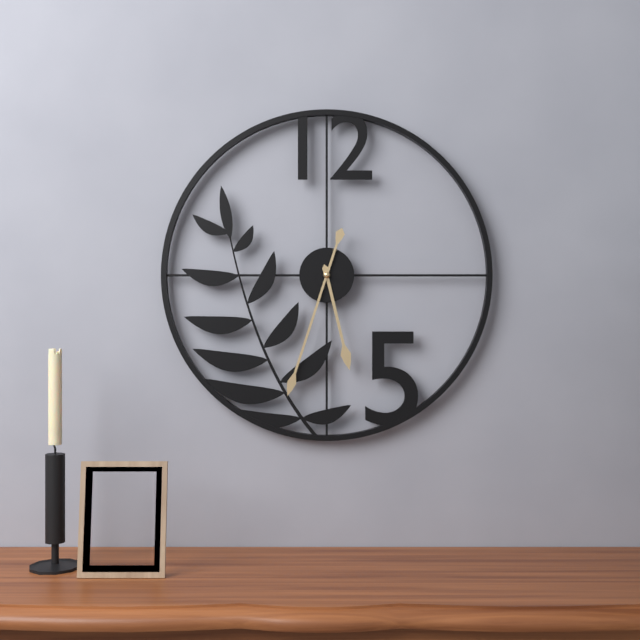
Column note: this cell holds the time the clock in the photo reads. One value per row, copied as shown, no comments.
5:33
